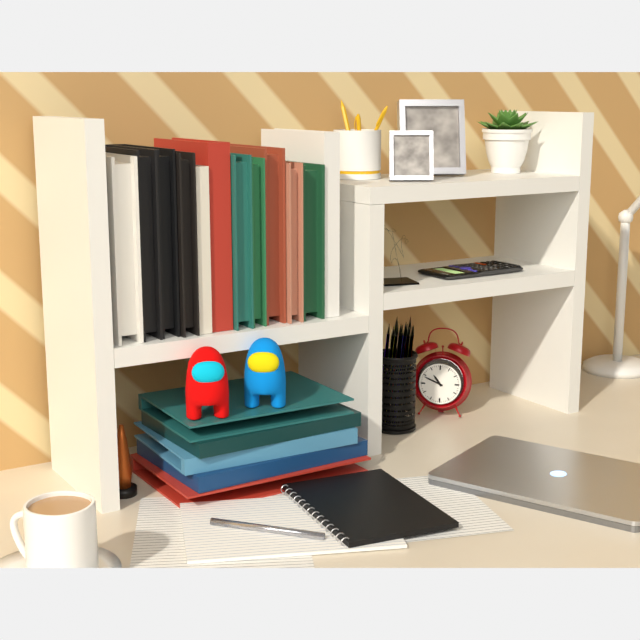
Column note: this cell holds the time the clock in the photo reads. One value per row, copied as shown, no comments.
10:49
